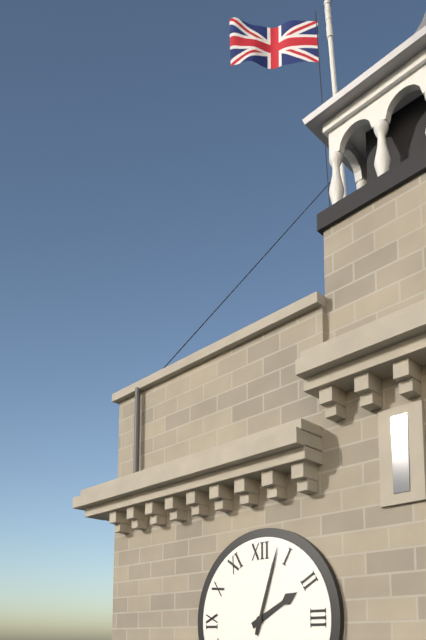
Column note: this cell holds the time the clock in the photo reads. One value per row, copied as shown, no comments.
2:03
